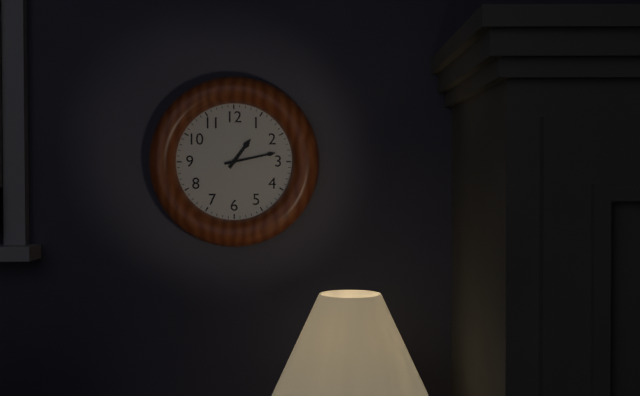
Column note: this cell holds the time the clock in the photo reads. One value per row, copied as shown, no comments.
1:13
